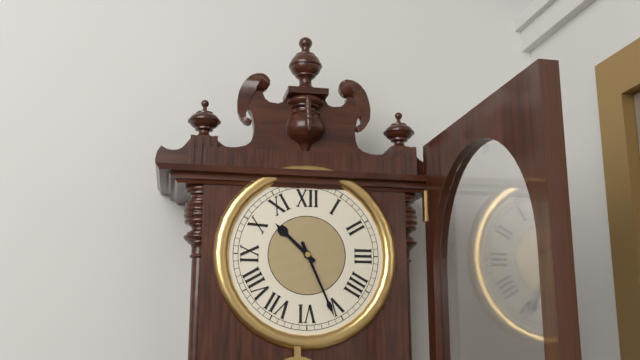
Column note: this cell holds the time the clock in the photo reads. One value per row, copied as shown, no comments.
10:26
